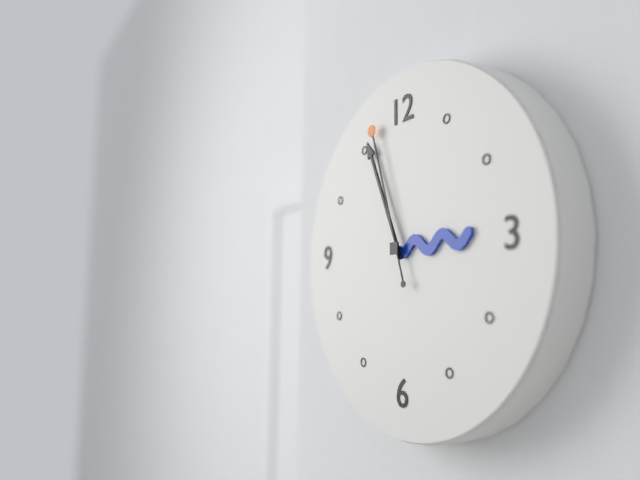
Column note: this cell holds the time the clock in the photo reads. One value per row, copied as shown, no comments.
2:56:57
